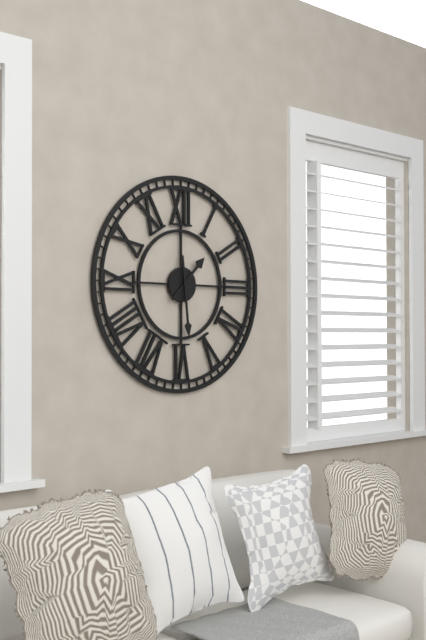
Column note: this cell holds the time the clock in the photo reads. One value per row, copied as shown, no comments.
1:29
